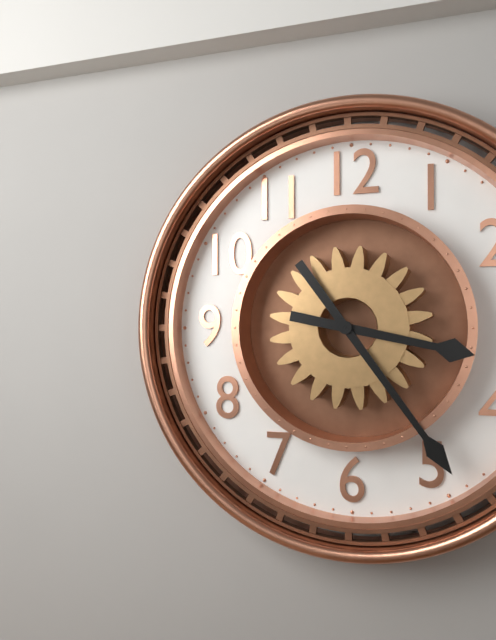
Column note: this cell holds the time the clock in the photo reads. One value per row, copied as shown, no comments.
3:24
